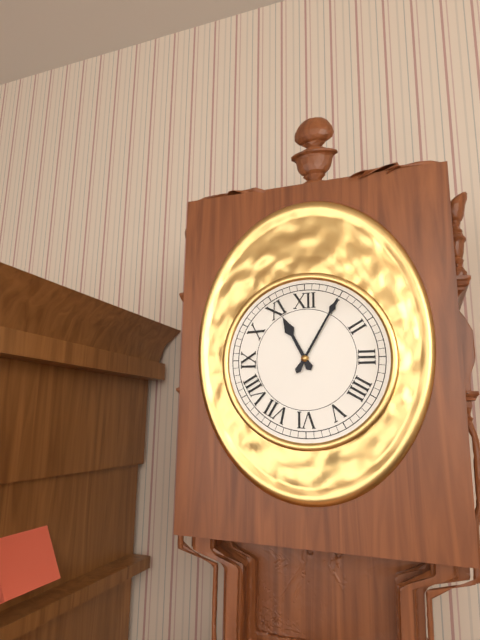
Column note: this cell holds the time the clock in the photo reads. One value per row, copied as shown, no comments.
11:05
